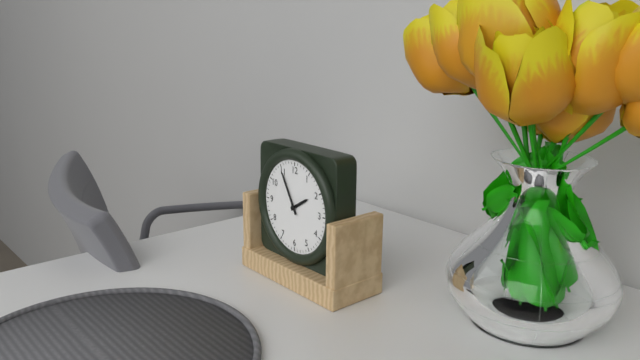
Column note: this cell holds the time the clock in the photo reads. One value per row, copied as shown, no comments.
1:55
